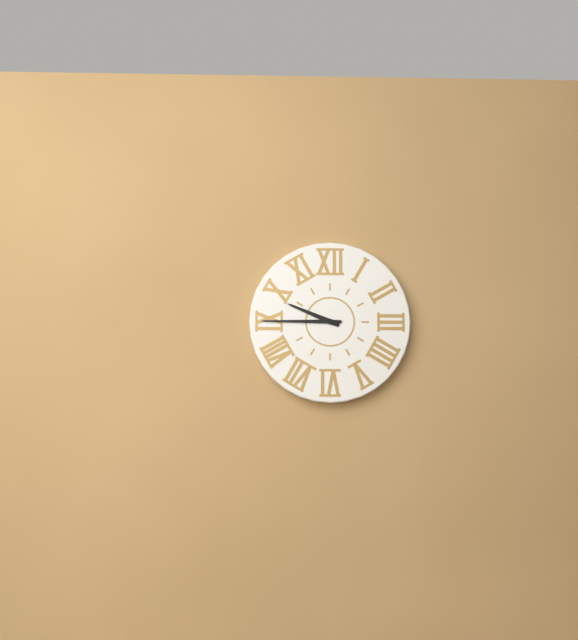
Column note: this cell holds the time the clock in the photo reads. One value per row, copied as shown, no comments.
9:45
